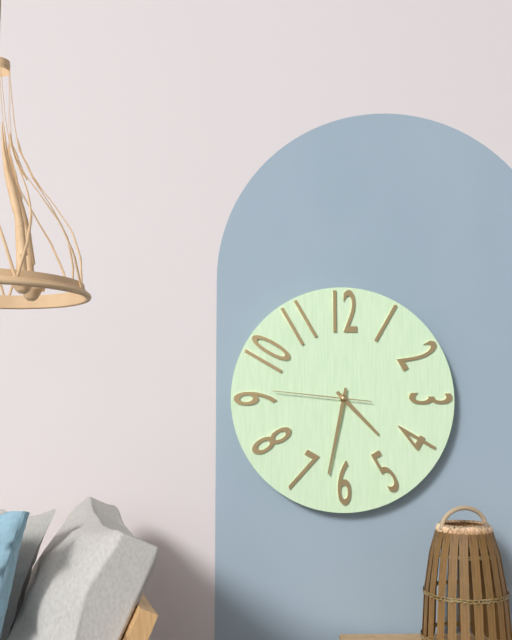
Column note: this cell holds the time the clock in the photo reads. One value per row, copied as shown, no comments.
4:32:46
